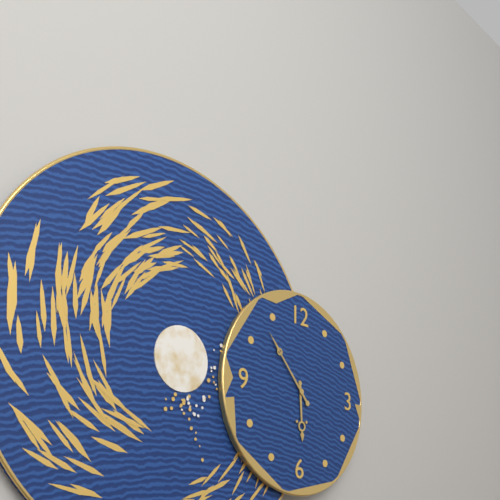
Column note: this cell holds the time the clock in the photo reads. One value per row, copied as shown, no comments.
5:53
